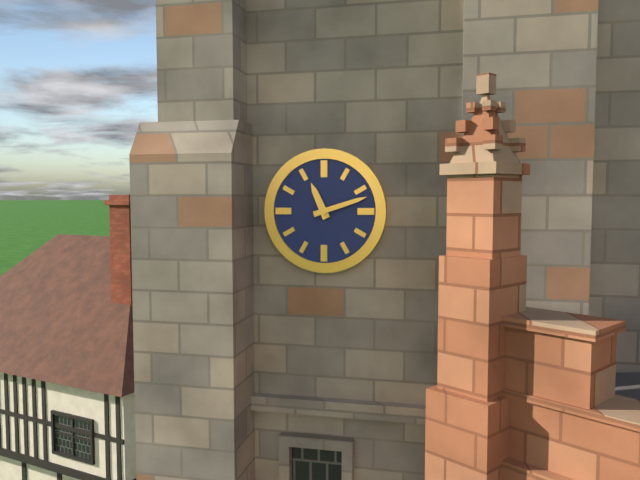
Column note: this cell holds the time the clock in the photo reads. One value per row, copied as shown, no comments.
11:12
